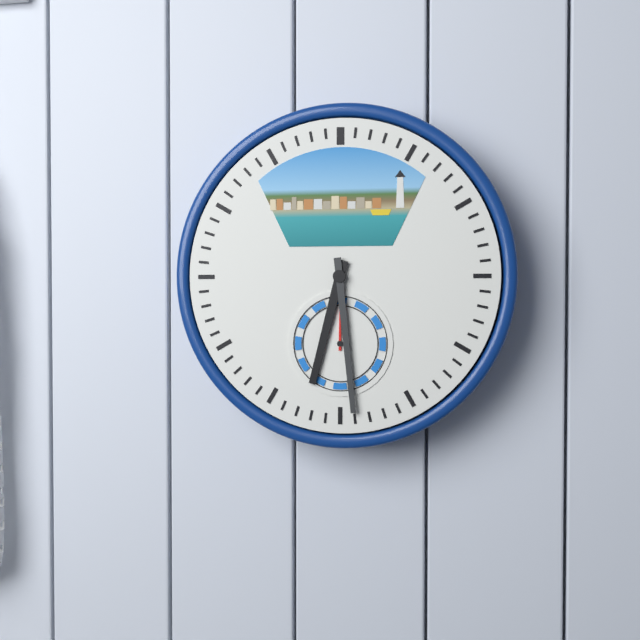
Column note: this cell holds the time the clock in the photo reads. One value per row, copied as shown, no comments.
6:29
